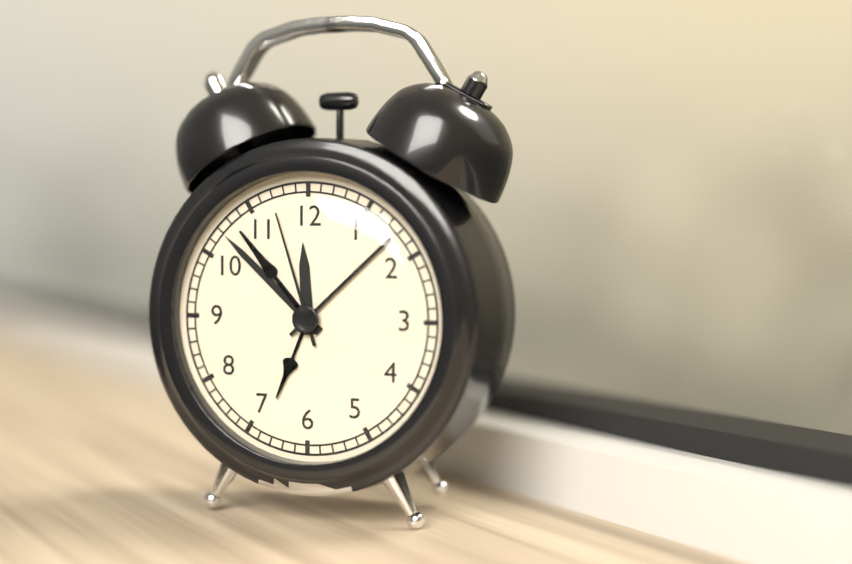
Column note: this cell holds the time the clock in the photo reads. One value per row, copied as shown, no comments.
11:52:57
